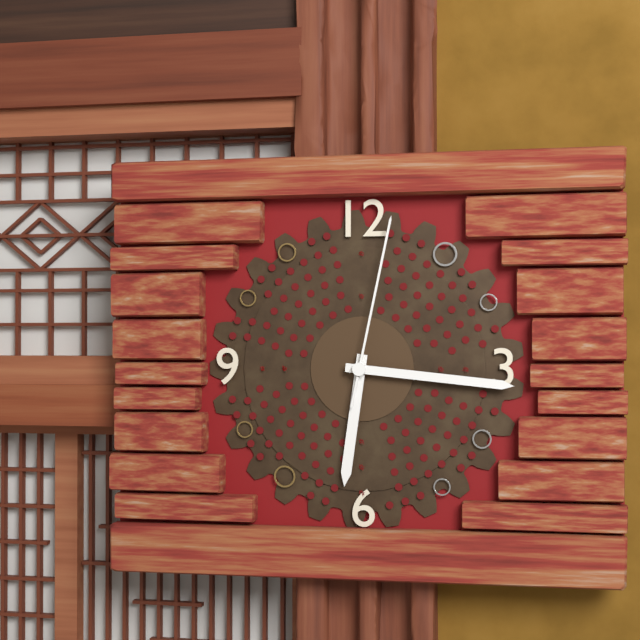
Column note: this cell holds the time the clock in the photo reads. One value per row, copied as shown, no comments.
6:16:02
